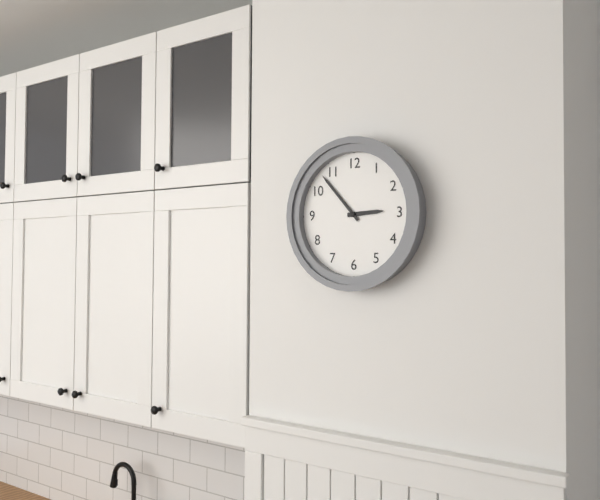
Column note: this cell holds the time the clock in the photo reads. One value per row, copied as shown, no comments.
2:53
